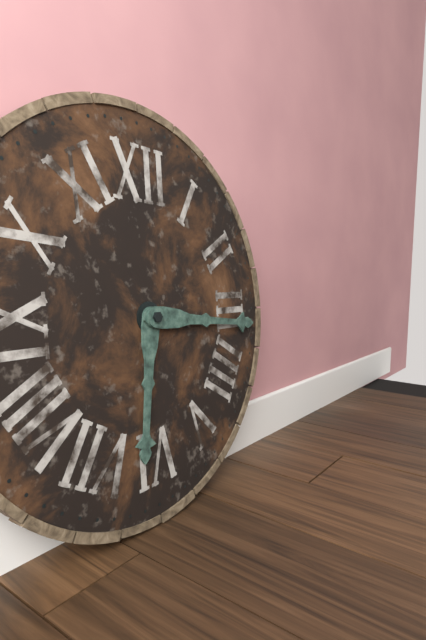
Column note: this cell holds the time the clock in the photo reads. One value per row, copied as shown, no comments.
6:16
